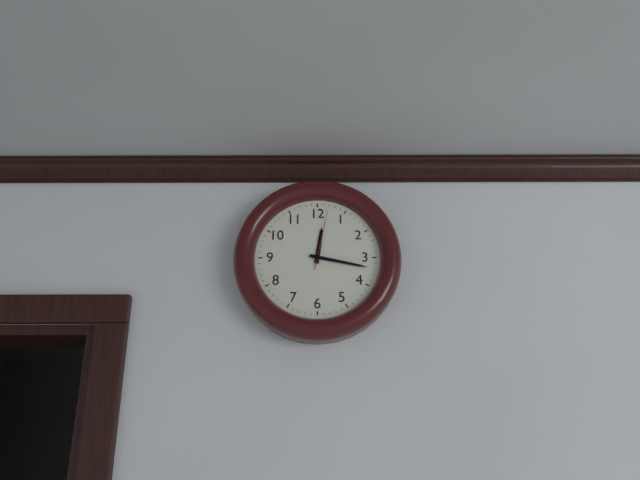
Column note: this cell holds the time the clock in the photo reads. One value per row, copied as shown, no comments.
12:17:02
